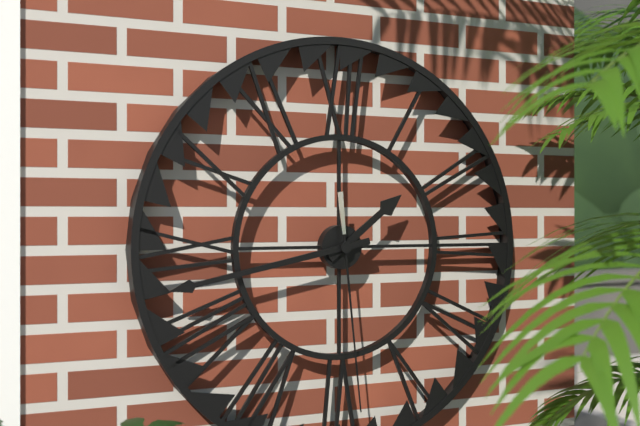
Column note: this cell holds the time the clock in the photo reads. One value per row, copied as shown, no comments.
1:43:29
